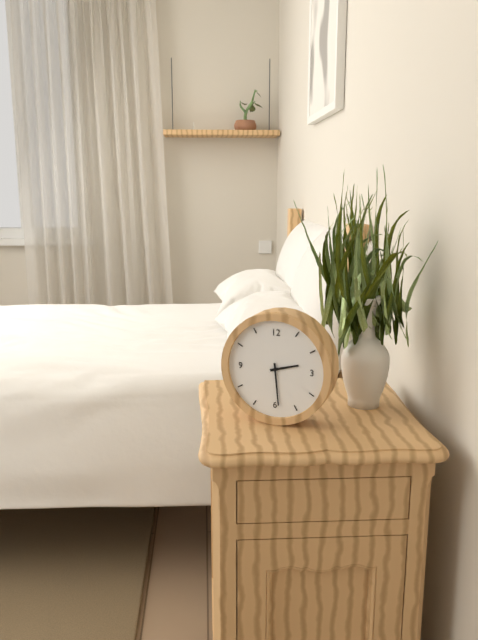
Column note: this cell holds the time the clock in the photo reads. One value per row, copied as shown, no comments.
2:29
